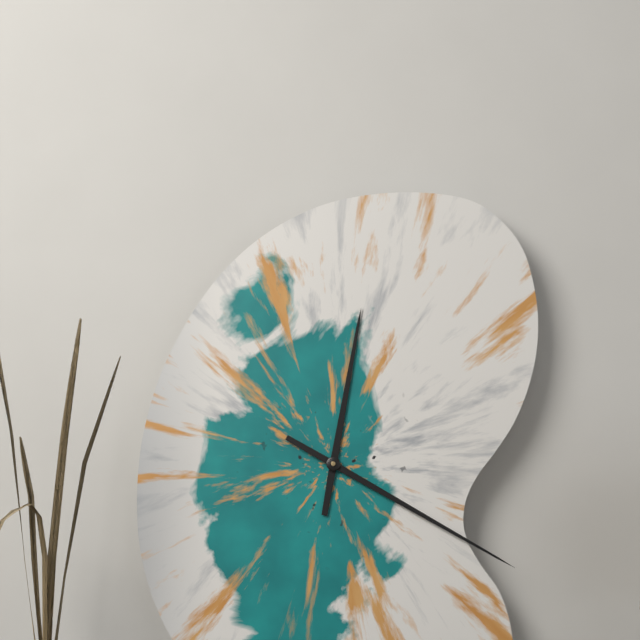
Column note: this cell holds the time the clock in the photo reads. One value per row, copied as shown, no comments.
12:20
